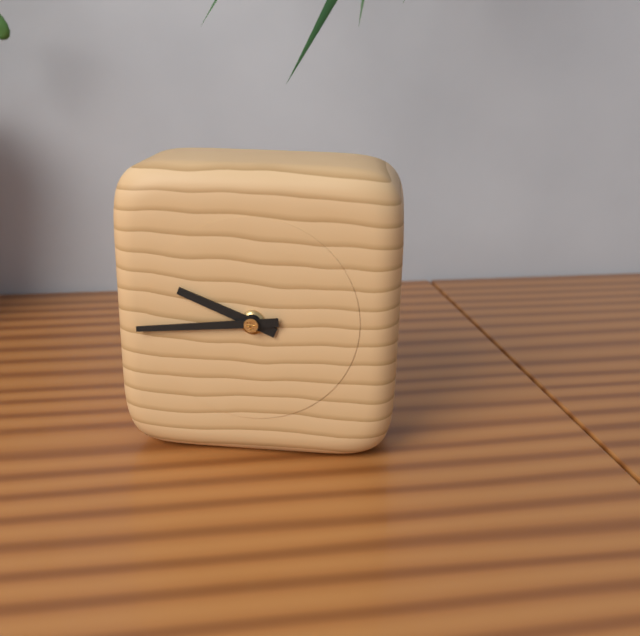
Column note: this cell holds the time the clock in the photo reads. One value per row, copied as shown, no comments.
9:44
